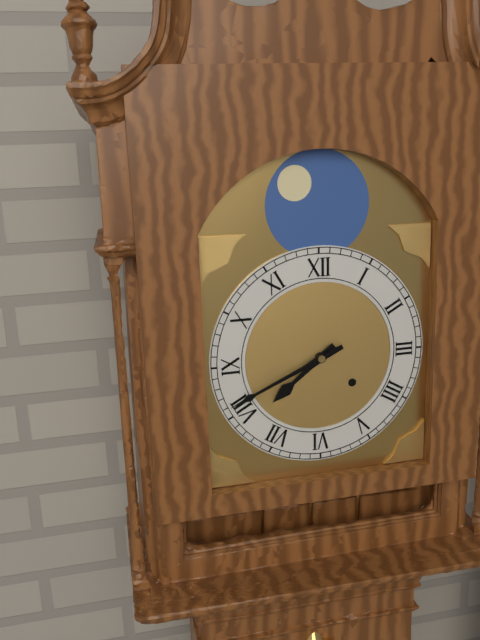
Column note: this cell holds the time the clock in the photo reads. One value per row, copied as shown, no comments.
7:41
